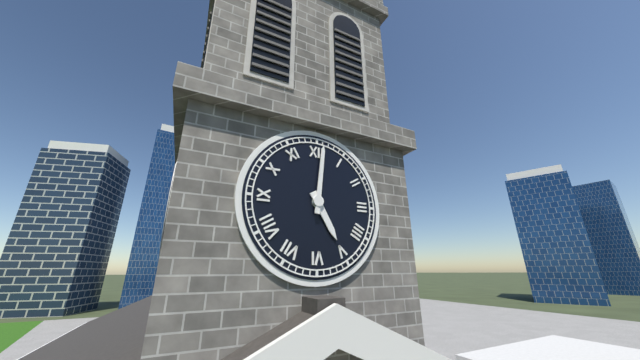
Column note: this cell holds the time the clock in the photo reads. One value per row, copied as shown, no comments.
5:01
